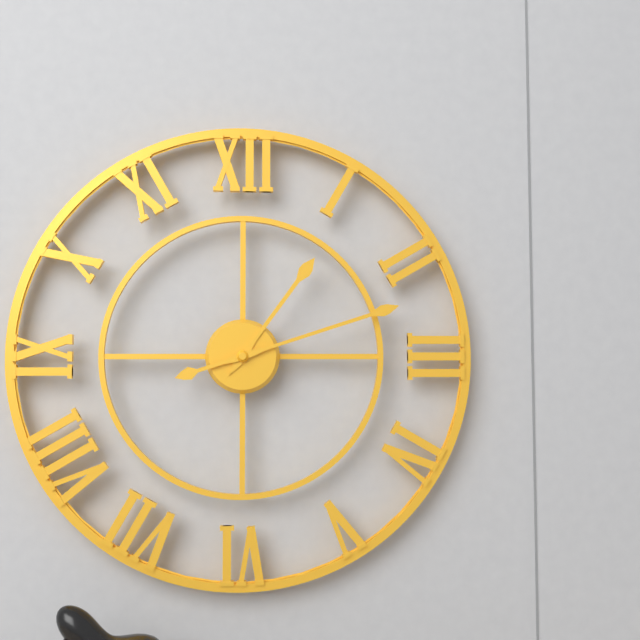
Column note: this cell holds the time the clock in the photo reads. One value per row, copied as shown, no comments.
1:12
